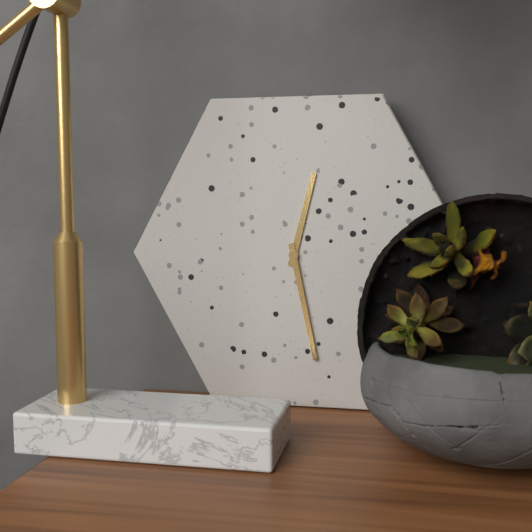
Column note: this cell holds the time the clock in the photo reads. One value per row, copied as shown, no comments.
12:28
